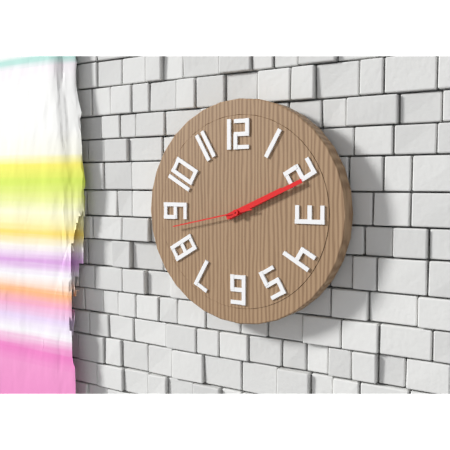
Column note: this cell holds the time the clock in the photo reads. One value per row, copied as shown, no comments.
2:11:43
